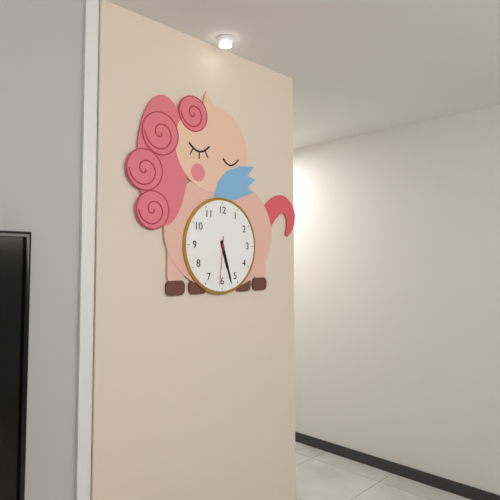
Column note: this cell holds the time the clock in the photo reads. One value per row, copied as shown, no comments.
5:27:31
